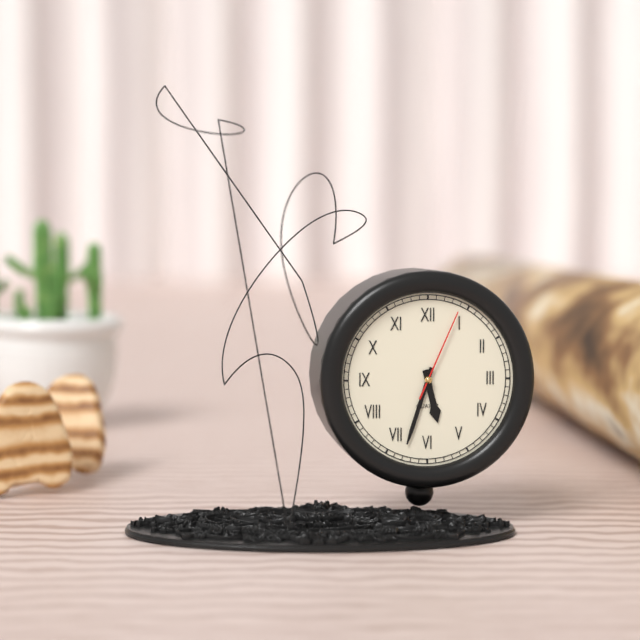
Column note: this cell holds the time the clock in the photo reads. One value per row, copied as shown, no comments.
5:33:04
